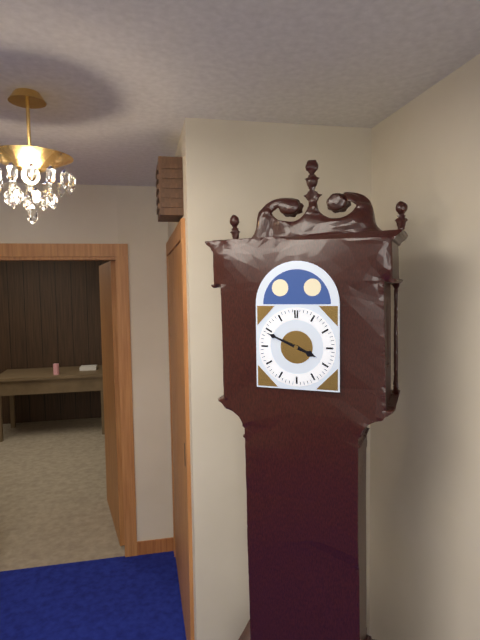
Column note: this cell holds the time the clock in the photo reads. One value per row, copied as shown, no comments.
3:49
